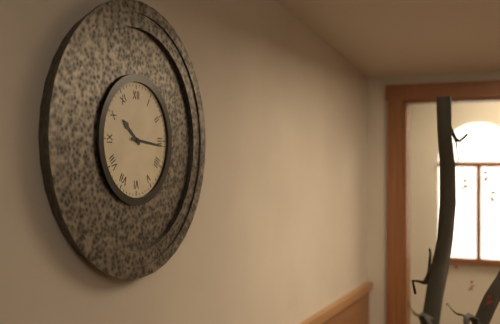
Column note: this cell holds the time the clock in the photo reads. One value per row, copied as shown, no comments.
10:16
